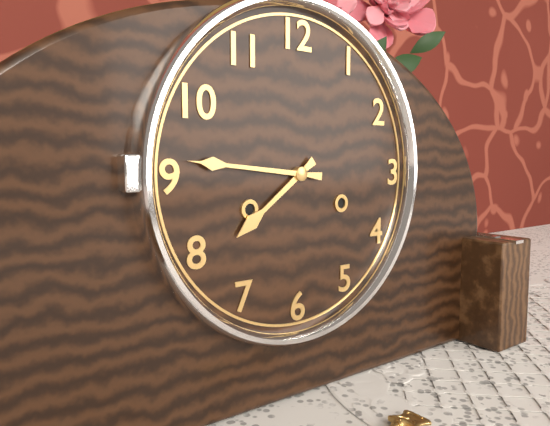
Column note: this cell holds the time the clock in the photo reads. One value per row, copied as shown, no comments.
7:46
